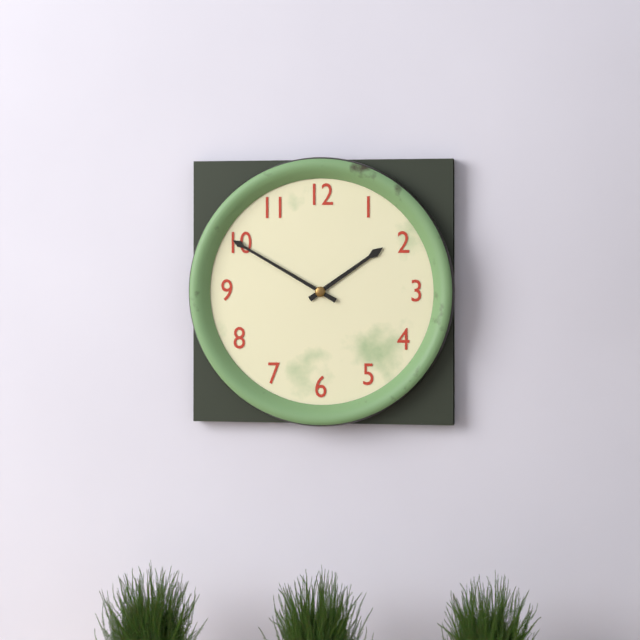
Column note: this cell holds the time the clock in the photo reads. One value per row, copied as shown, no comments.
1:50
